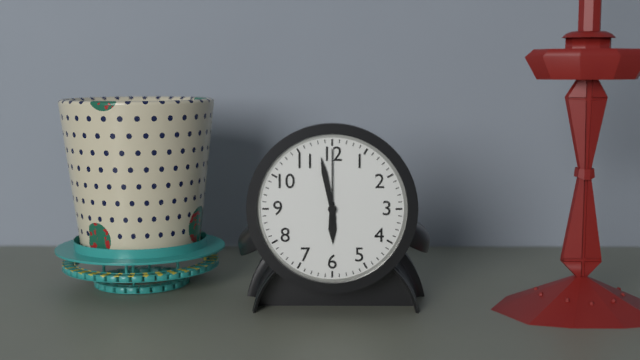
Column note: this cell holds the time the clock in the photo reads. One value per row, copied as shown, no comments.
5:58:00
